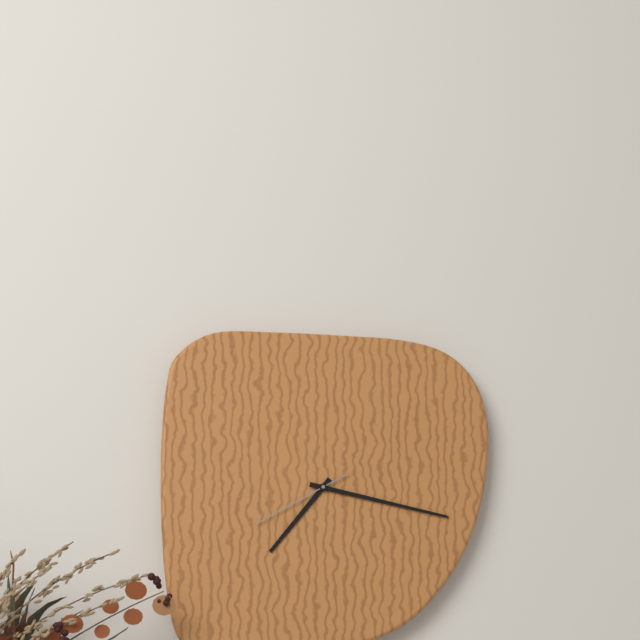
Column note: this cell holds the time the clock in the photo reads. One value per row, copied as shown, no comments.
7:17:40
